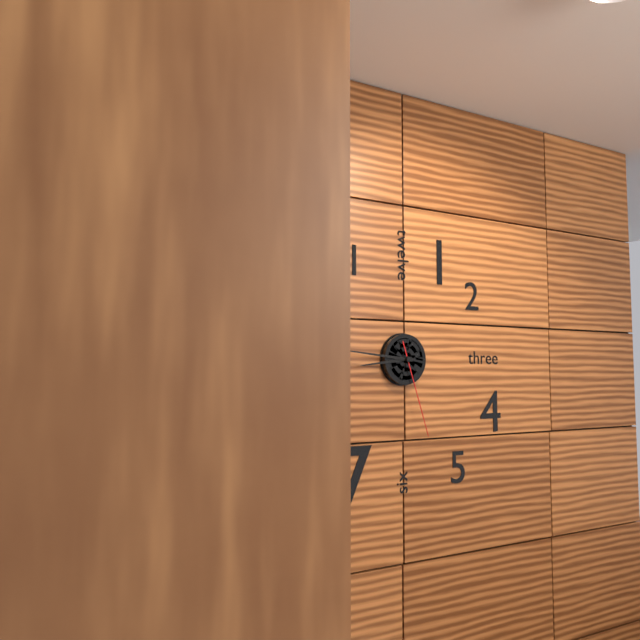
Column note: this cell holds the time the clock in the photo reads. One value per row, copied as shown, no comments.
8:46:27
